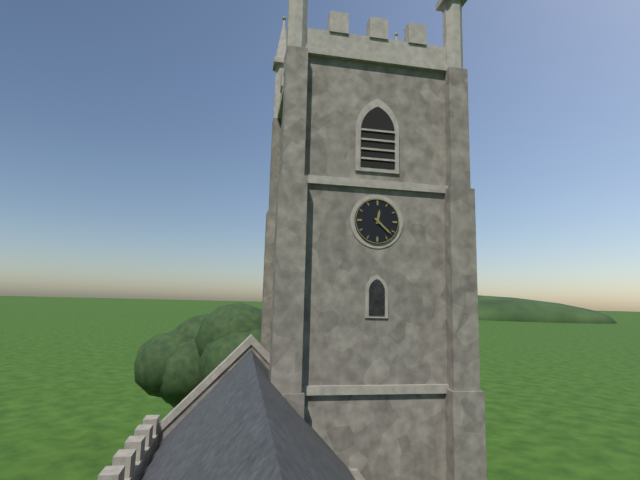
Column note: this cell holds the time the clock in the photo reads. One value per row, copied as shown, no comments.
12:22
